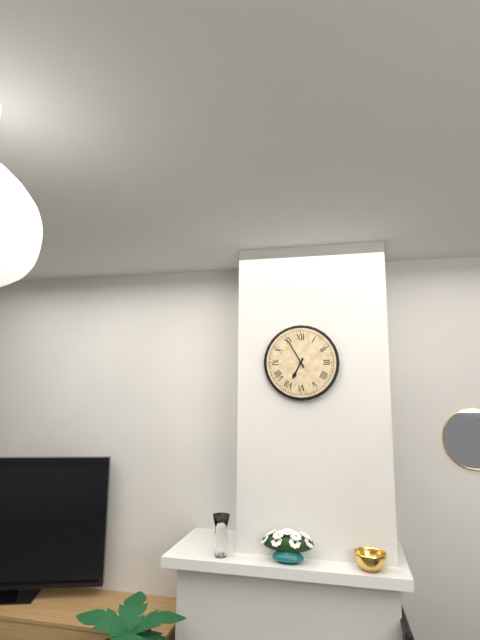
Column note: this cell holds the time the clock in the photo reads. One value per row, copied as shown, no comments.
6:55
